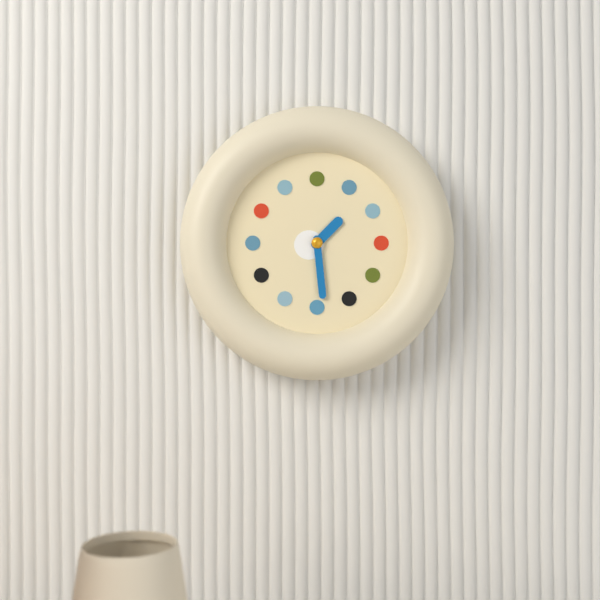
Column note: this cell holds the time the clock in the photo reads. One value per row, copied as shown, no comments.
1:29
